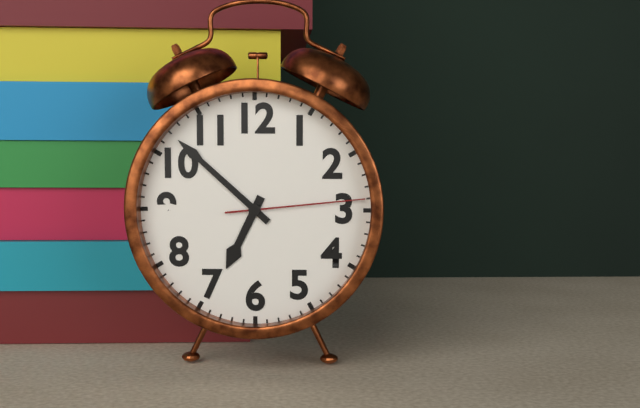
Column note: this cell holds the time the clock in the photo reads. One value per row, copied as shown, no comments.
6:52:14
